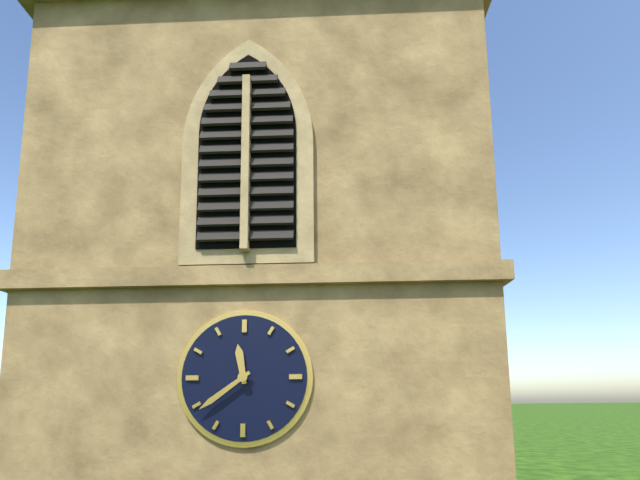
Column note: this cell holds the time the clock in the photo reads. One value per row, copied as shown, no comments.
11:39
